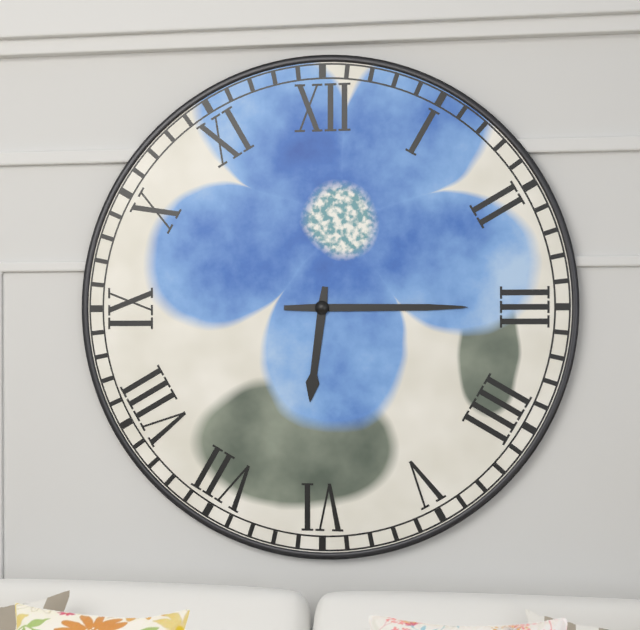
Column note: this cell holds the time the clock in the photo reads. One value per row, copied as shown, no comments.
6:15
